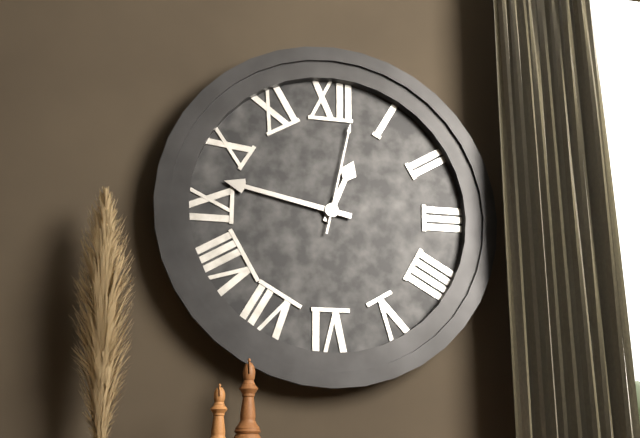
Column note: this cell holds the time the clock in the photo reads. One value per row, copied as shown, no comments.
12:47:02
